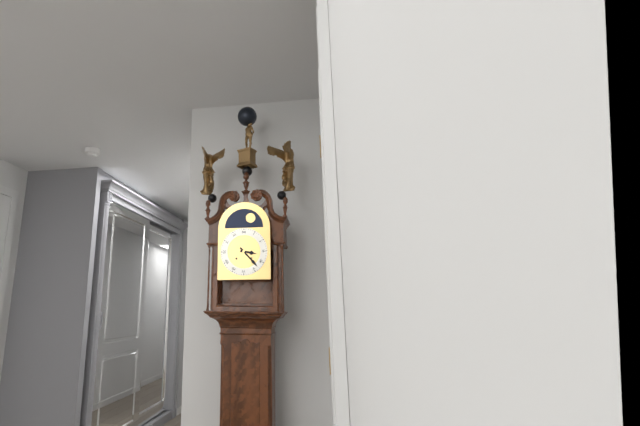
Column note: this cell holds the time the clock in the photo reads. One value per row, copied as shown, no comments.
3:23
